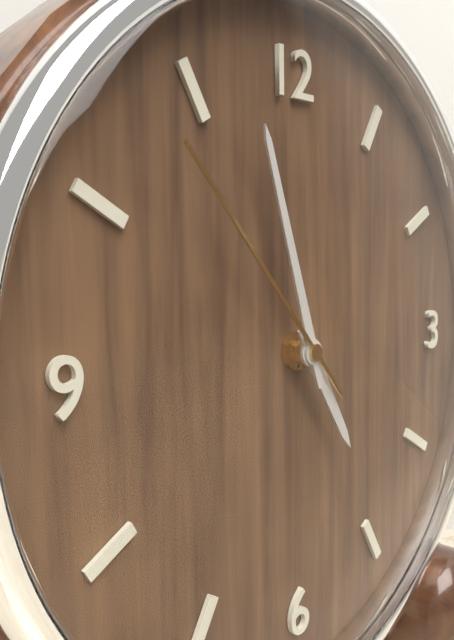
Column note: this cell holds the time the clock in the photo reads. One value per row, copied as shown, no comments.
4:57:53
